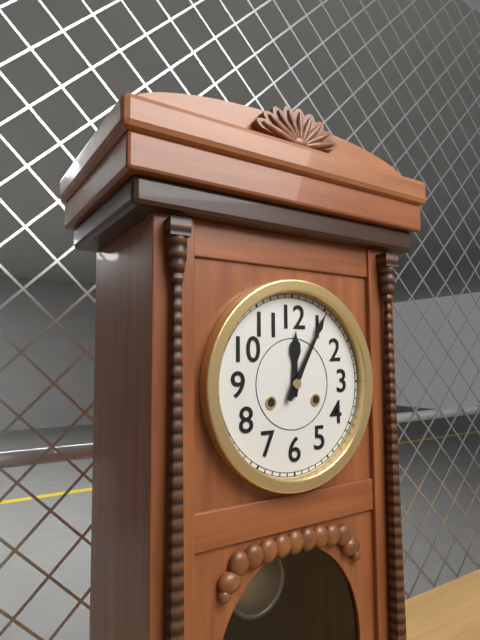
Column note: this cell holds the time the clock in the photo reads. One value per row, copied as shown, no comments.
12:05
